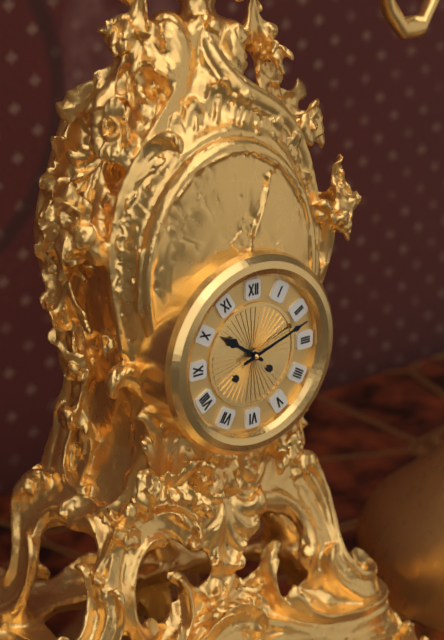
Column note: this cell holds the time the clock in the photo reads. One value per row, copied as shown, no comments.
10:12
